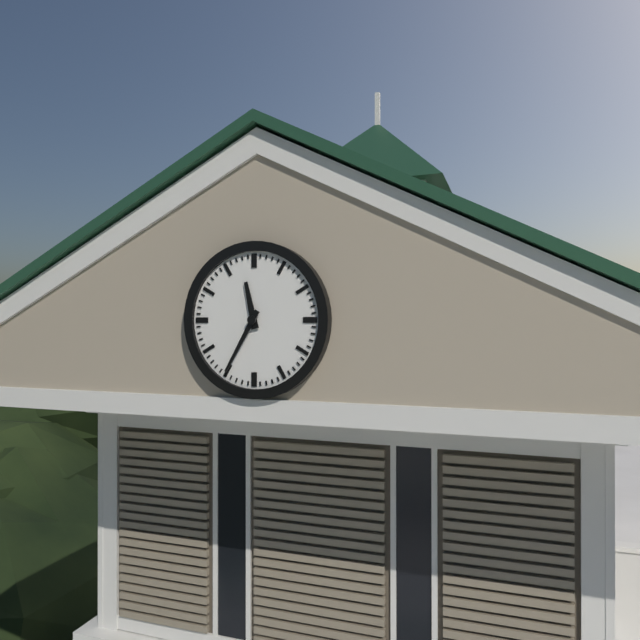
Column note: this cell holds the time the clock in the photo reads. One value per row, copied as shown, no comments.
11:35
